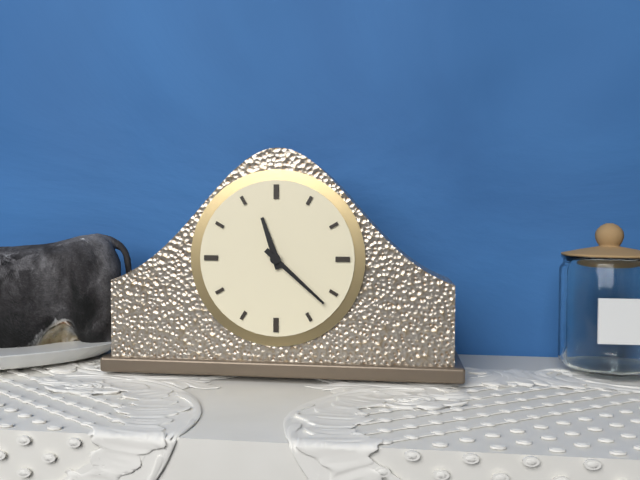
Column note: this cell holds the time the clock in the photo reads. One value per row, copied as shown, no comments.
11:22
